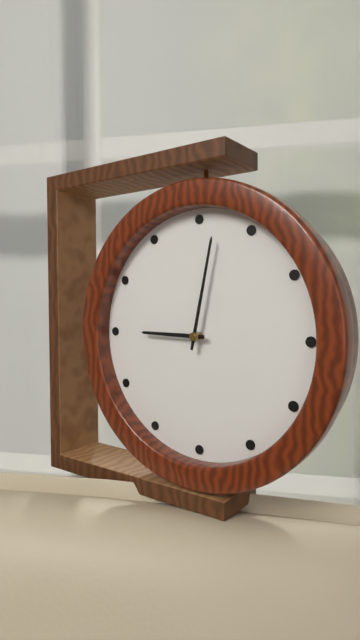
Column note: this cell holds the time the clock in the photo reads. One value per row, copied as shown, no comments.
9:02
